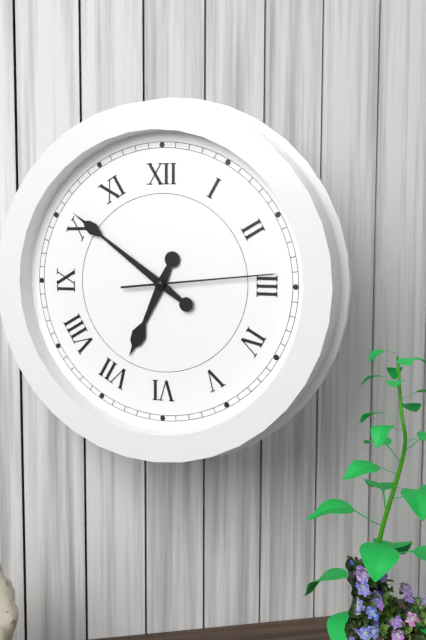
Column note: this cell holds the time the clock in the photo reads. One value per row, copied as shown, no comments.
6:51:14
